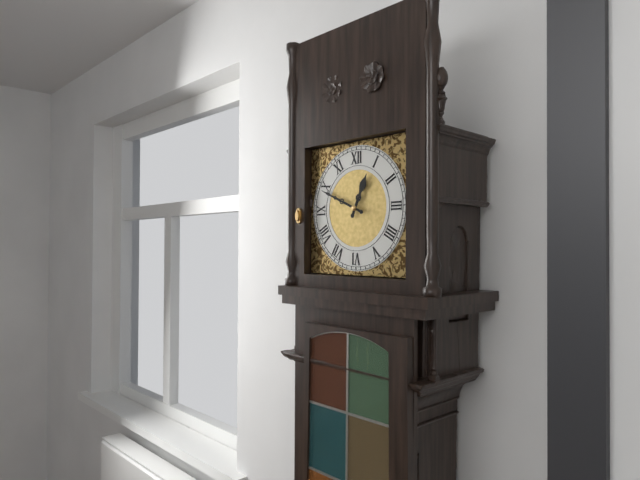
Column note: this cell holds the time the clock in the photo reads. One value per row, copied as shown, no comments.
12:49
